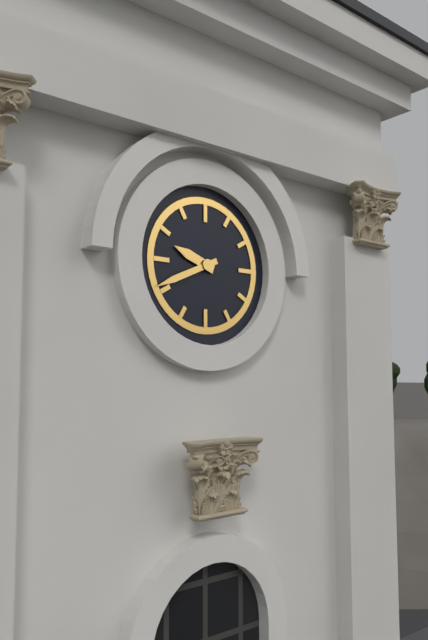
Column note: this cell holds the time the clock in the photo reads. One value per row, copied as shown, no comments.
9:41
